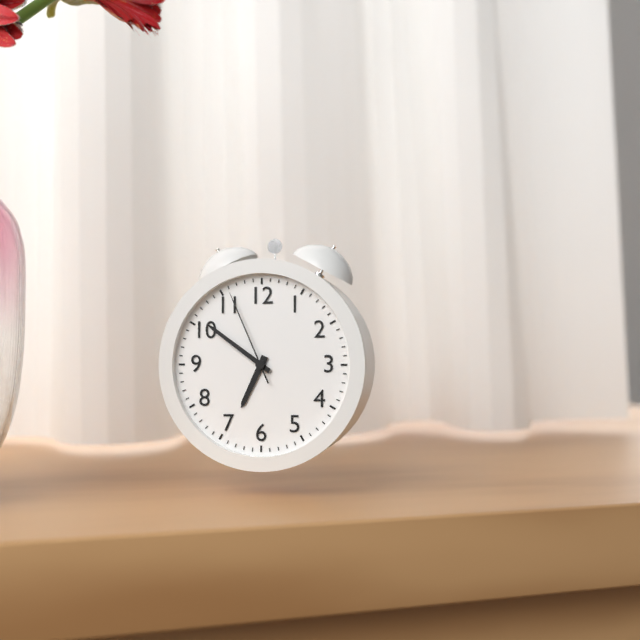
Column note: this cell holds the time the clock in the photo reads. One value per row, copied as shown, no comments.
6:51:56
